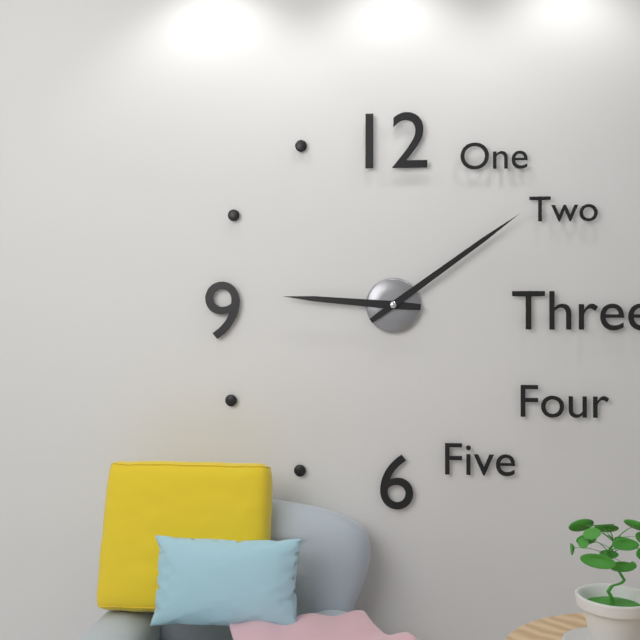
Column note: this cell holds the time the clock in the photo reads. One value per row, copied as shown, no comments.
9:09
